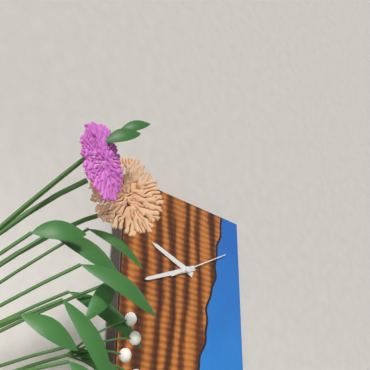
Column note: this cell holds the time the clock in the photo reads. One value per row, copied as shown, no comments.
9:41:10
